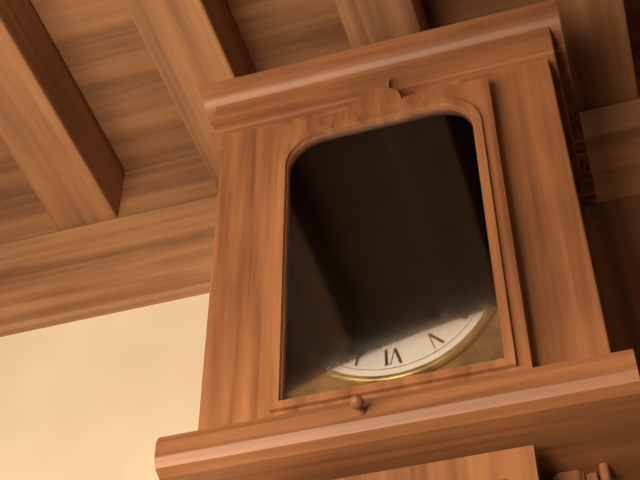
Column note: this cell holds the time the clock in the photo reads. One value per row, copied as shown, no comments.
11:57
